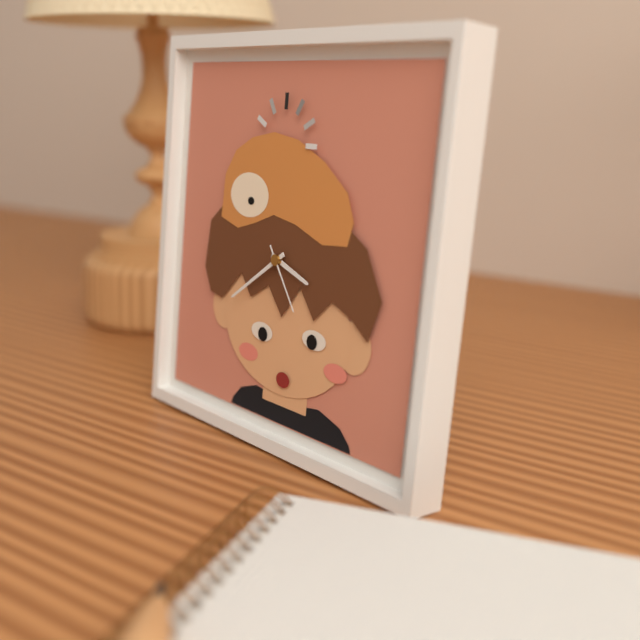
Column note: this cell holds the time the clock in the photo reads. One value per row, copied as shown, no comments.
3:39:24
